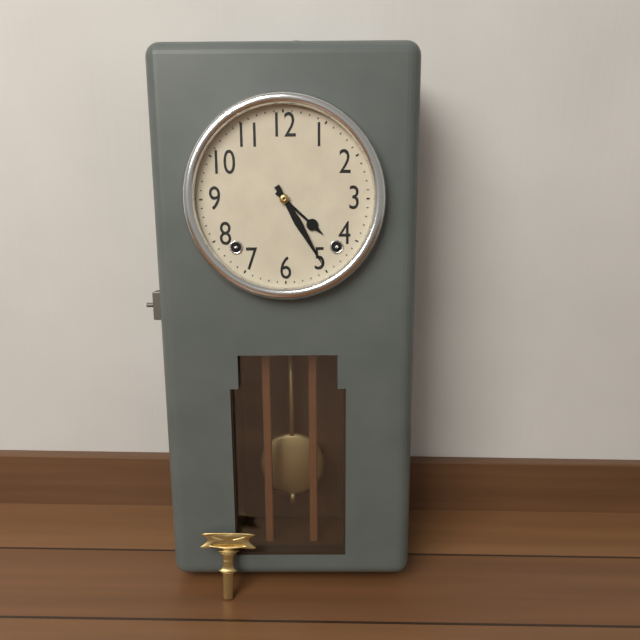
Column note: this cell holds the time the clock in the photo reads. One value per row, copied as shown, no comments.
4:25
